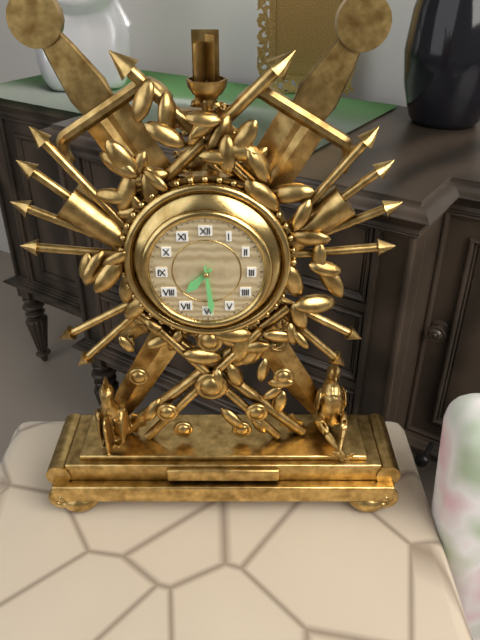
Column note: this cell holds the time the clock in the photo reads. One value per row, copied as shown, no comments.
7:29
